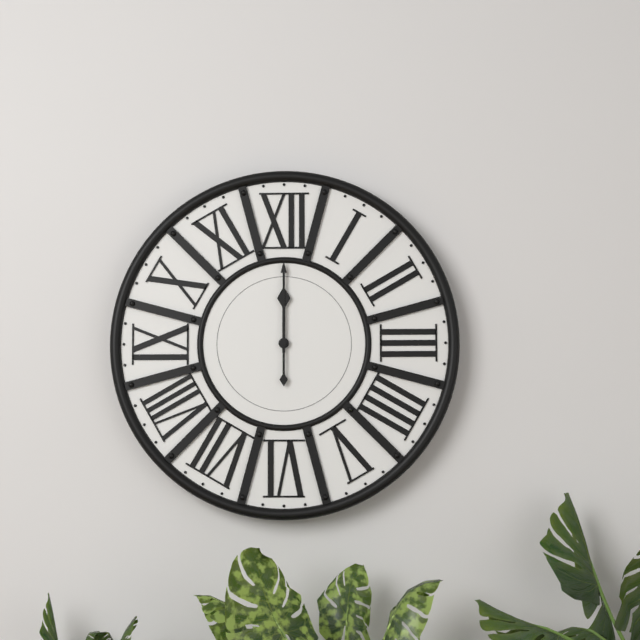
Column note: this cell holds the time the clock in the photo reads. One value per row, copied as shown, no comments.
12:00
